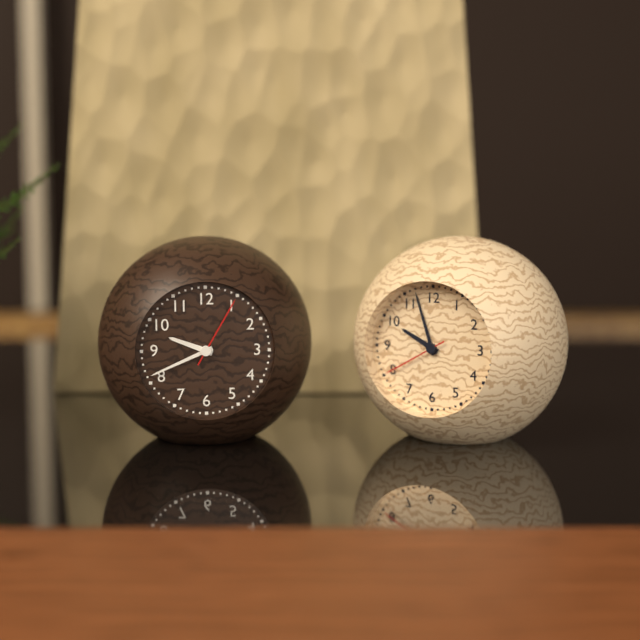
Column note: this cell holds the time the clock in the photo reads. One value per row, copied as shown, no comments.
9:41:05
